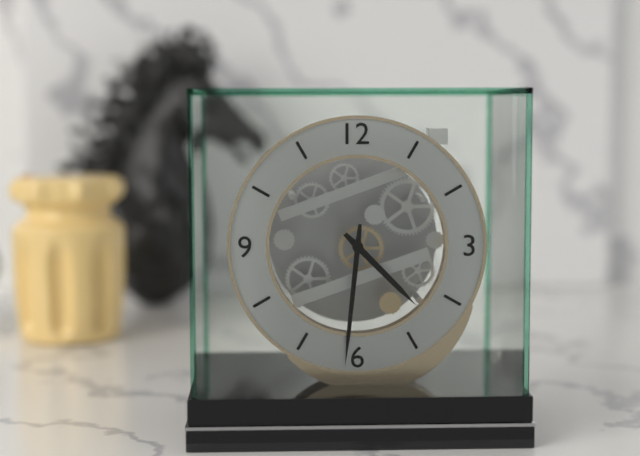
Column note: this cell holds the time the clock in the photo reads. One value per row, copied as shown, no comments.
4:31
